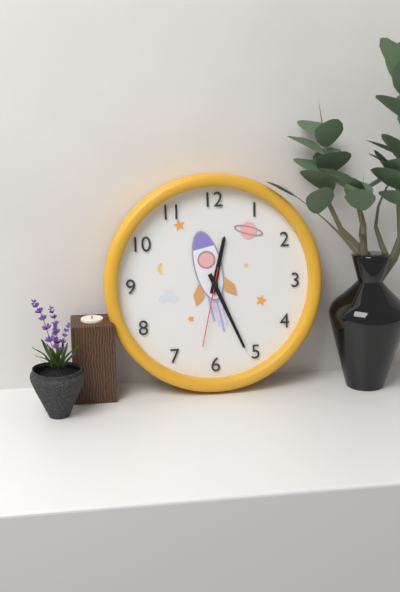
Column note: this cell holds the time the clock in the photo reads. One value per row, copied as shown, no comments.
12:26:32
